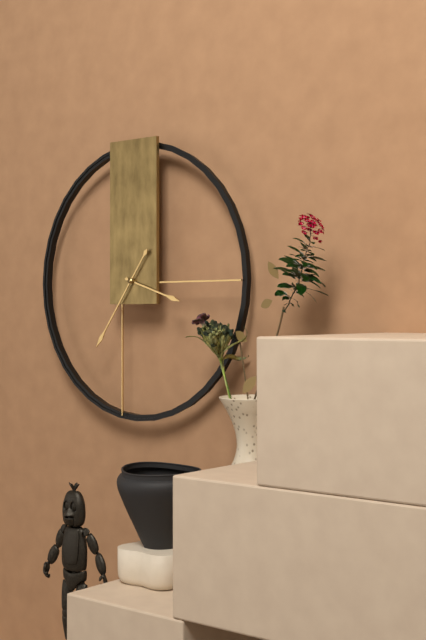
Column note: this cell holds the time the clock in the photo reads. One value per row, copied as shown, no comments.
3:36
